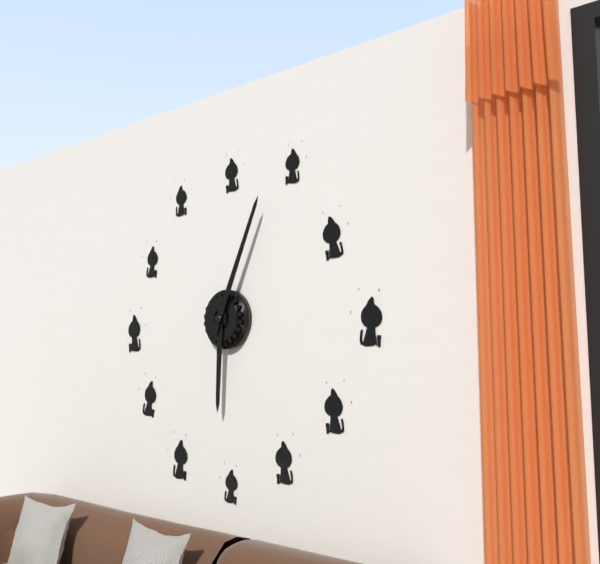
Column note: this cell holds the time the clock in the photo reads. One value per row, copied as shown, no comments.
6:04
